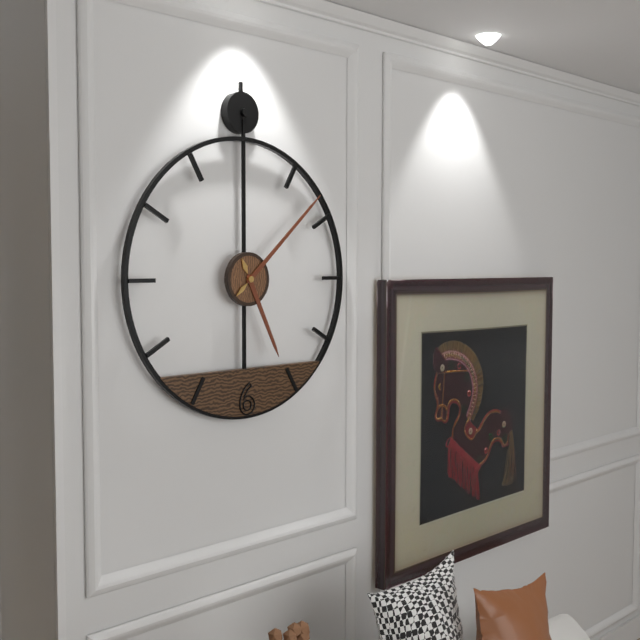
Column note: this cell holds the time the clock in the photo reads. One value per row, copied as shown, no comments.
5:08
